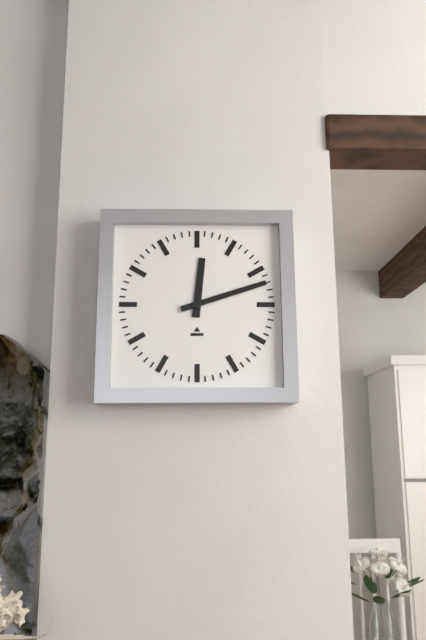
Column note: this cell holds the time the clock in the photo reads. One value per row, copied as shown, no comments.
12:12
